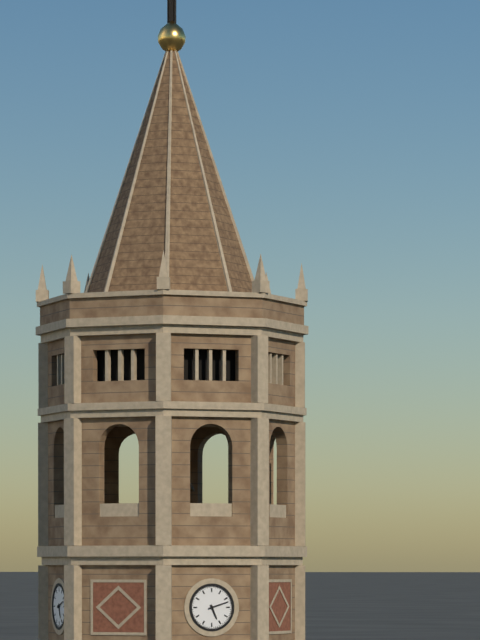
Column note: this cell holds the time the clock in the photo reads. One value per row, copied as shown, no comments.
5:12
